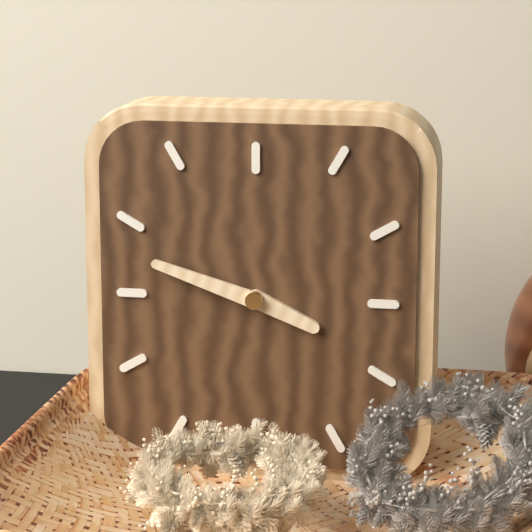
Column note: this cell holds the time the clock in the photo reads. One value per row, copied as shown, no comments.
3:48
